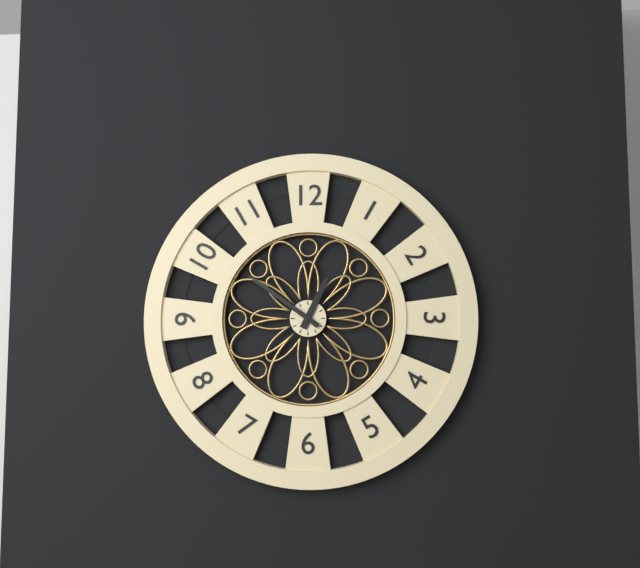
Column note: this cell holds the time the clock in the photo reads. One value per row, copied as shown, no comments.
12:51
